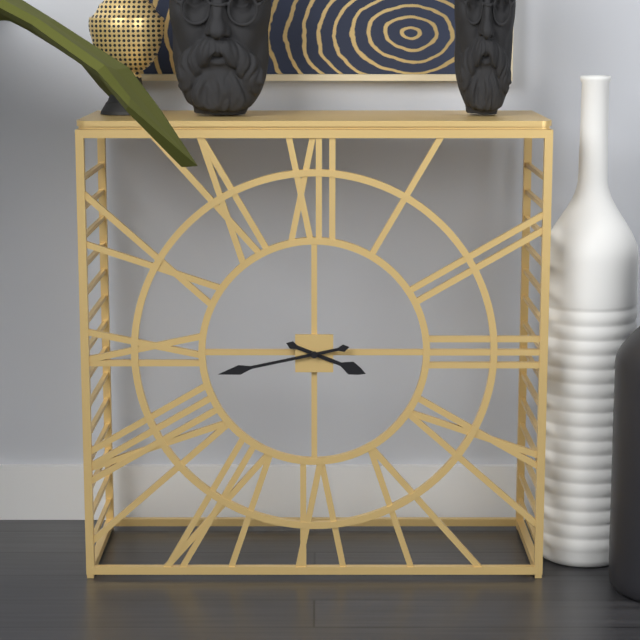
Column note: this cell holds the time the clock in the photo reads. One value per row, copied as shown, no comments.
3:43
